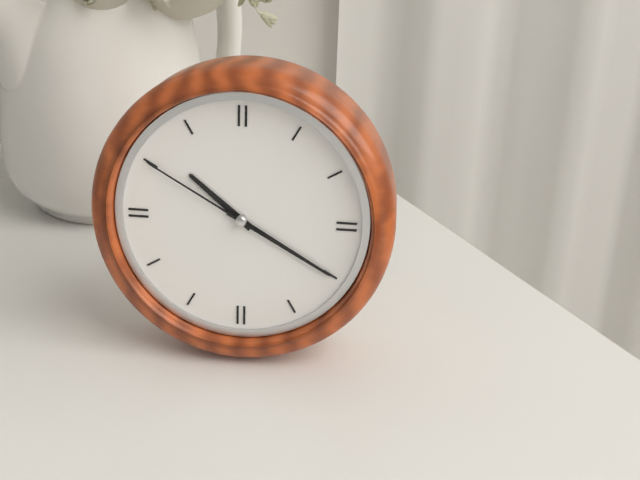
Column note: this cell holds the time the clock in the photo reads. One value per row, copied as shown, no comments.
10:20:50
